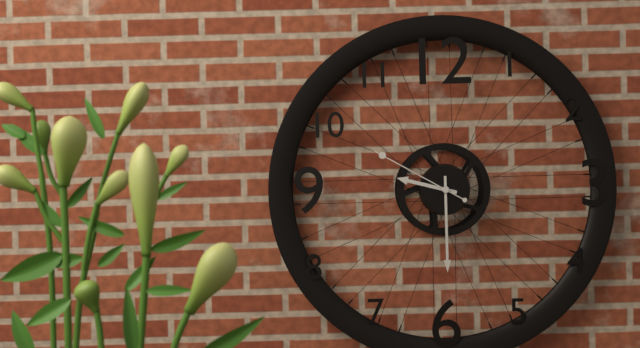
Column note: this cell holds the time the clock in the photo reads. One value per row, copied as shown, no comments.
9:30:50
